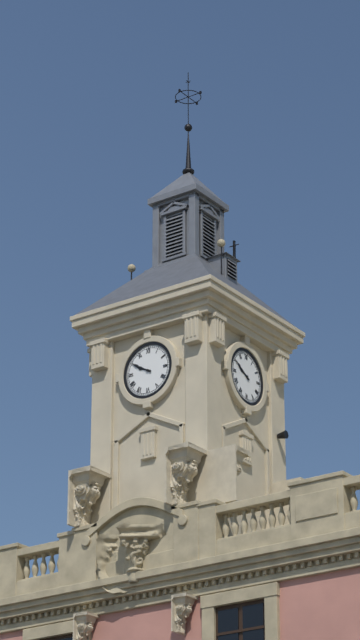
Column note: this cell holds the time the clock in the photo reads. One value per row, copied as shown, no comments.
9:50
